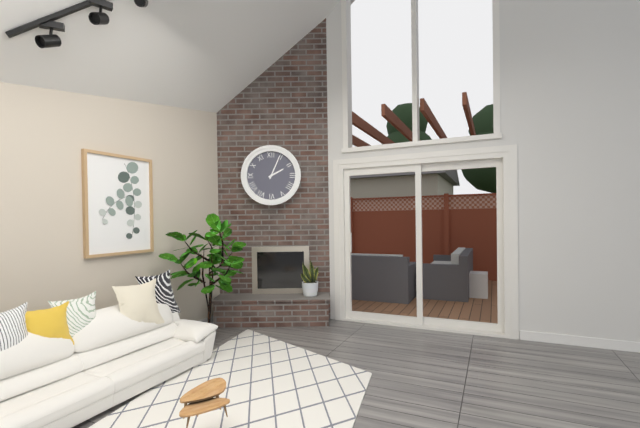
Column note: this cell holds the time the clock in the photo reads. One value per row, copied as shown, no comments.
2:04
